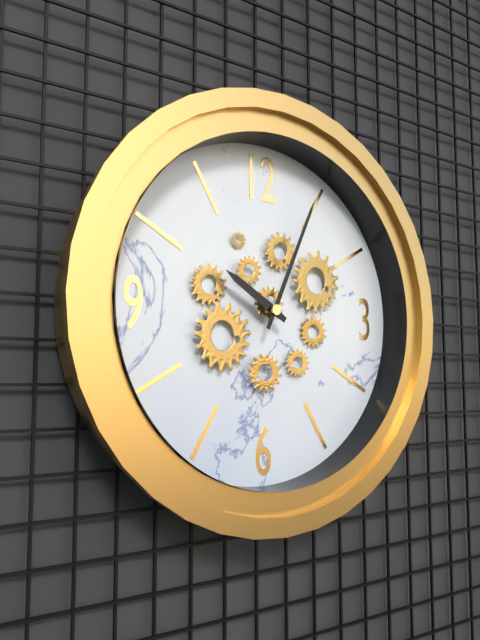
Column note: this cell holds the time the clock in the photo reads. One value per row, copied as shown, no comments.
10:04
